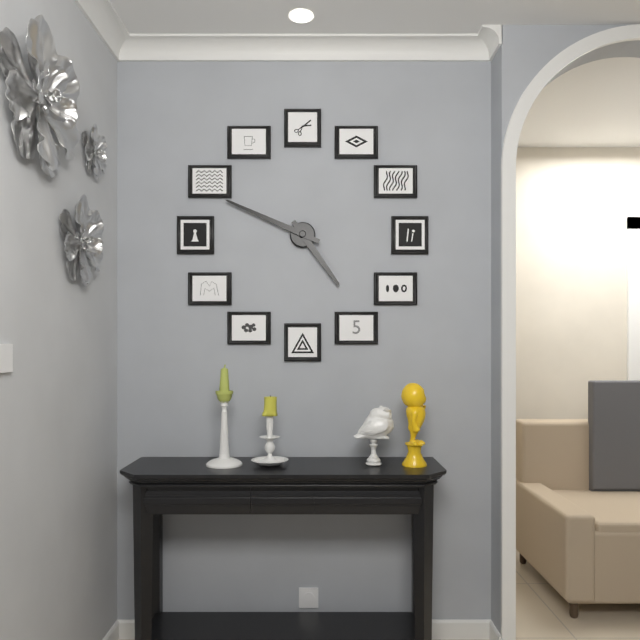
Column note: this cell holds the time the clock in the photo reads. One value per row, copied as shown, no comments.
4:49
